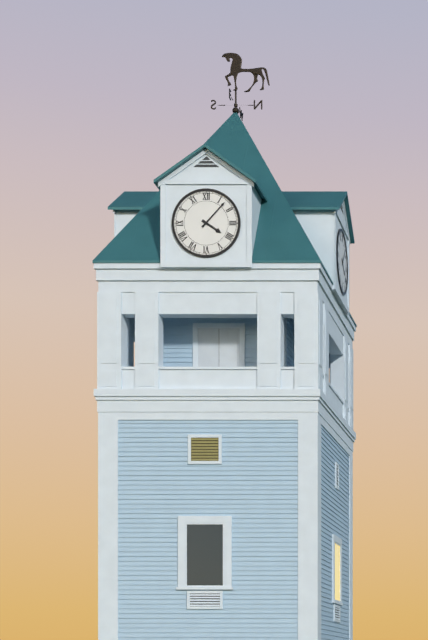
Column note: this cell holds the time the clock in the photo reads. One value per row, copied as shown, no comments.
4:07
